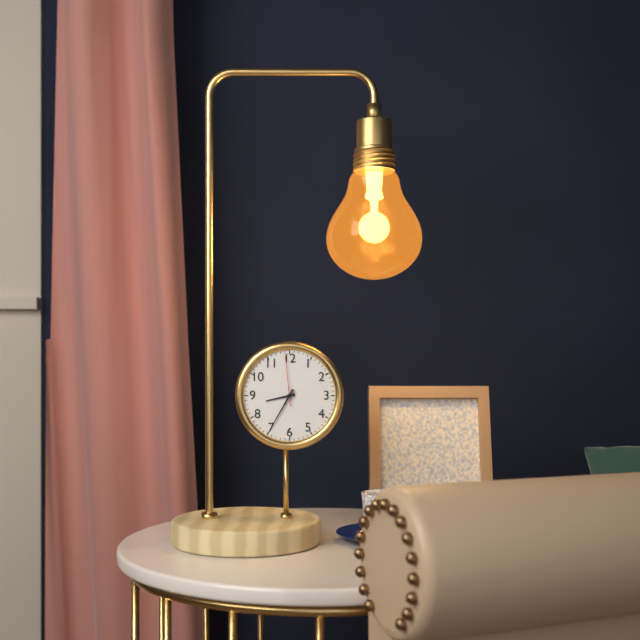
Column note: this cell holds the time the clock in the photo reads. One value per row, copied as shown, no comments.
8:35:59
